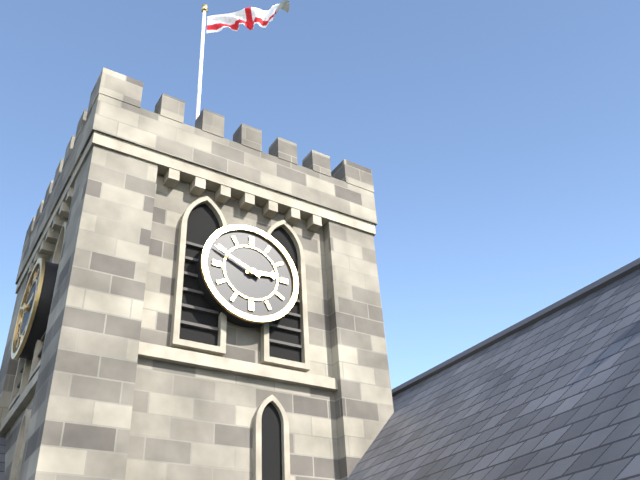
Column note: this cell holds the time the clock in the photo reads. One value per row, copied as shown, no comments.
2:49
